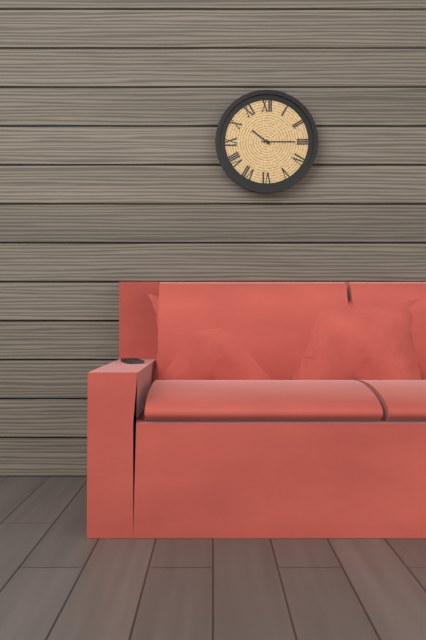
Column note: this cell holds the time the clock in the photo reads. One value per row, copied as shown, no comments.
10:15
